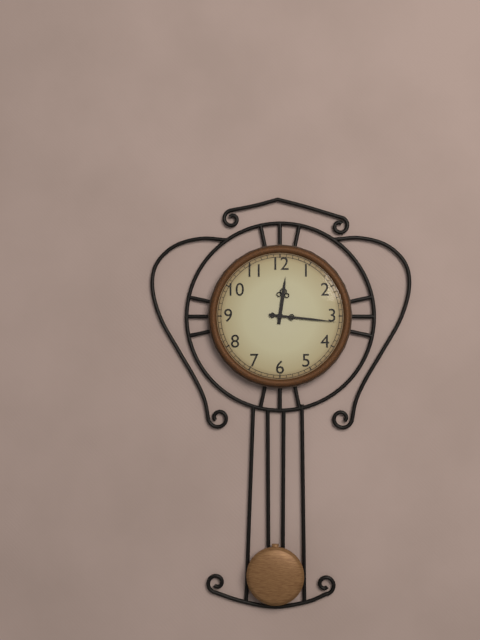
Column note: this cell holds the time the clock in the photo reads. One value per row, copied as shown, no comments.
12:16
